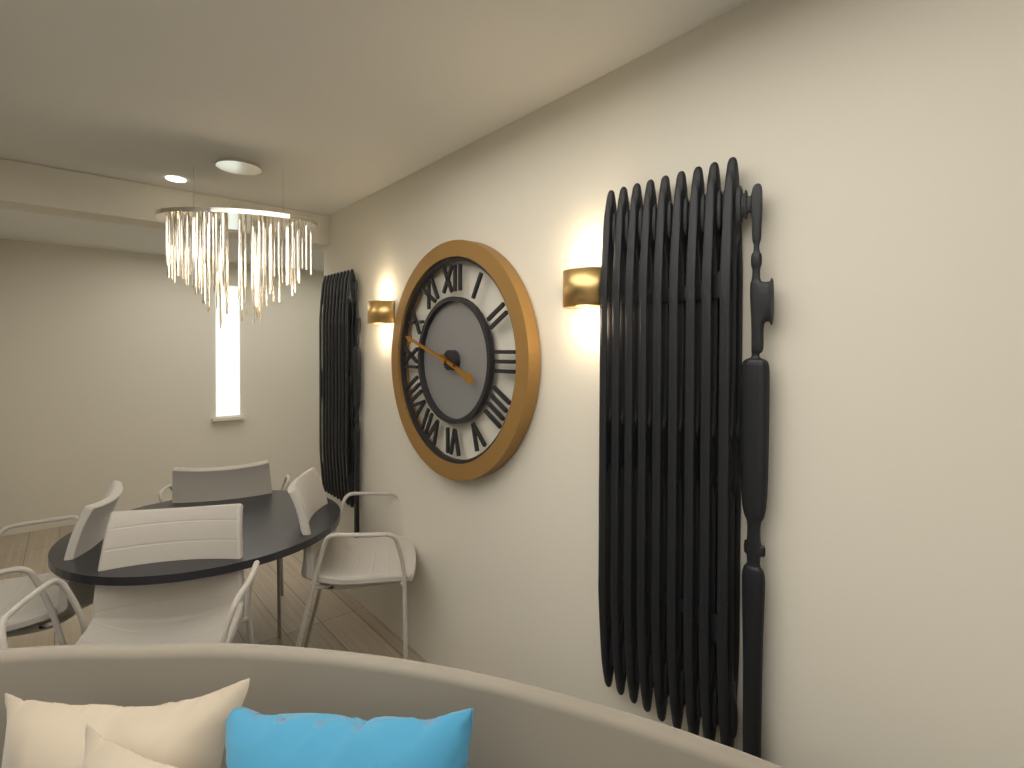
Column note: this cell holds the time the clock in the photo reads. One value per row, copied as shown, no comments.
3:48
